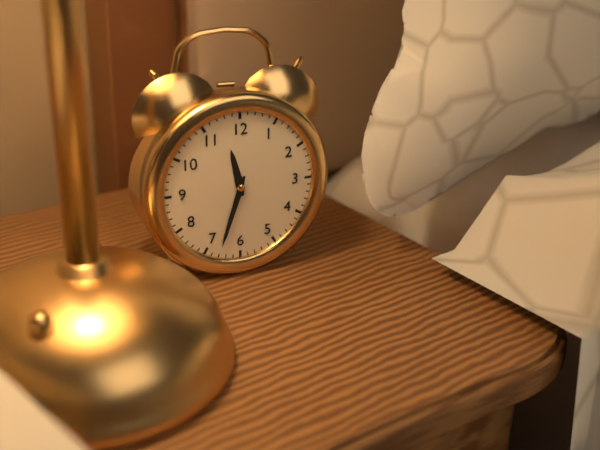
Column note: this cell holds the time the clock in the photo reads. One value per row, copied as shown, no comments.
11:33
